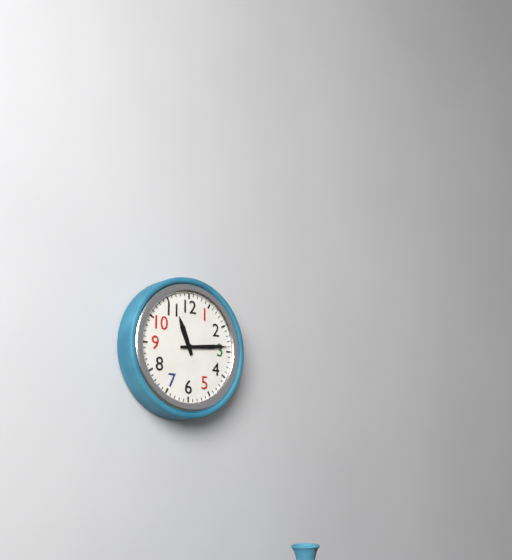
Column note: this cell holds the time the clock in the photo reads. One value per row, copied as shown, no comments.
11:14
